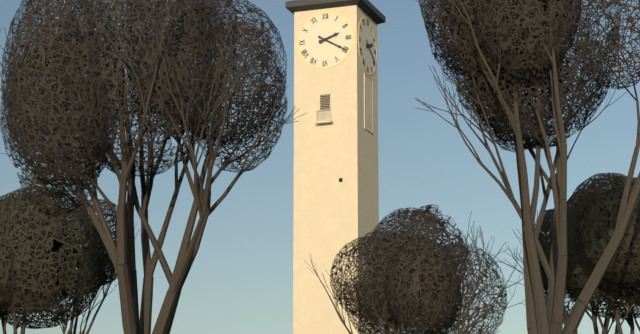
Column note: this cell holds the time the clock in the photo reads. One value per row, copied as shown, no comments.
2:20
